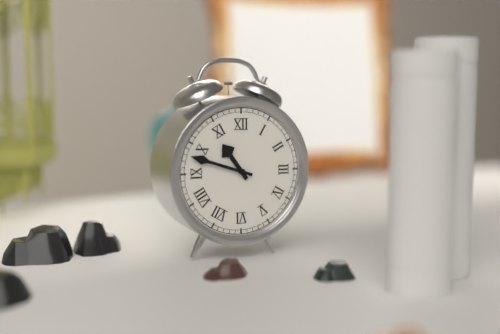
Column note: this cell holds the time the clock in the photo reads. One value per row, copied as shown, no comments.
10:48
